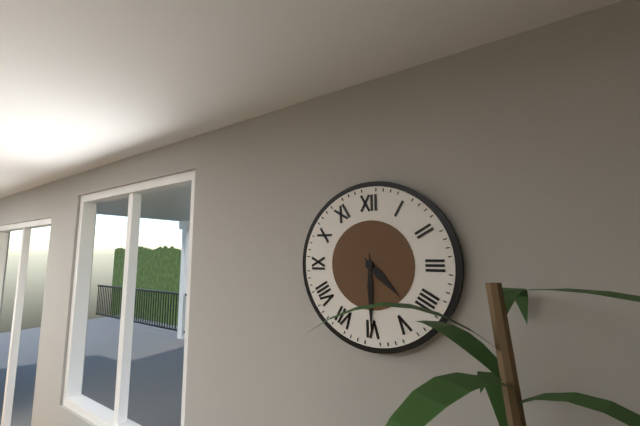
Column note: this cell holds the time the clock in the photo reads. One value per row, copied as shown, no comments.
4:30
